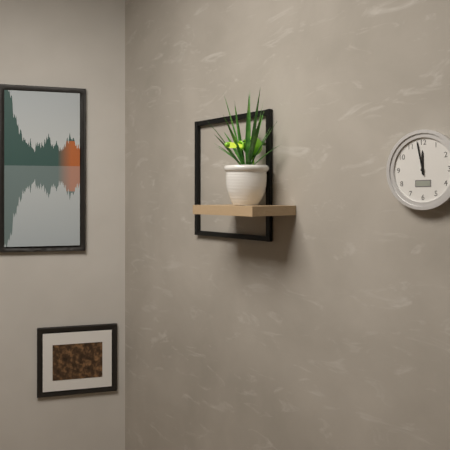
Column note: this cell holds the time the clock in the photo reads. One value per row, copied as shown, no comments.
11:58
